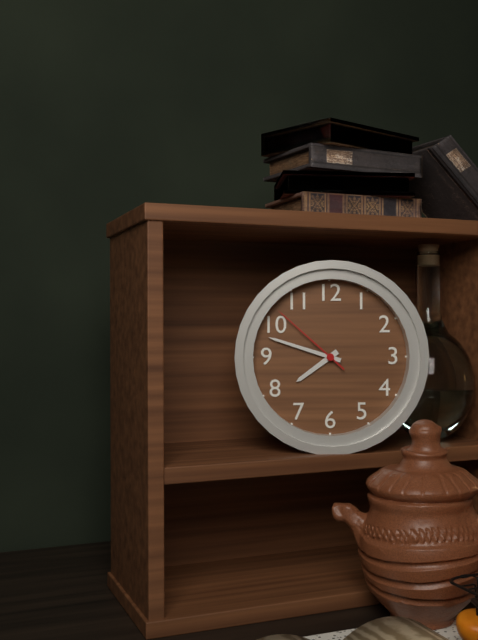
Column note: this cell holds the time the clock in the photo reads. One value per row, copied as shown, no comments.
7:48:52
